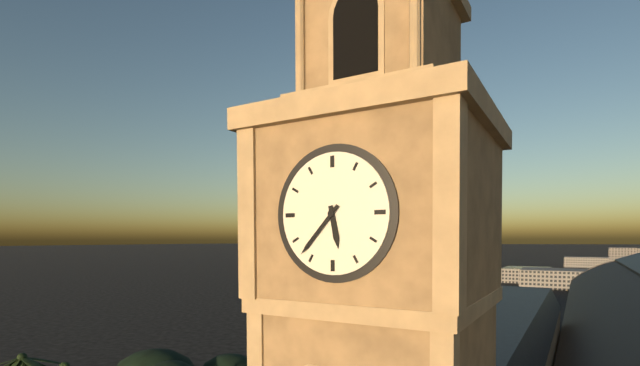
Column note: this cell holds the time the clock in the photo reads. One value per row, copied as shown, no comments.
5:37
